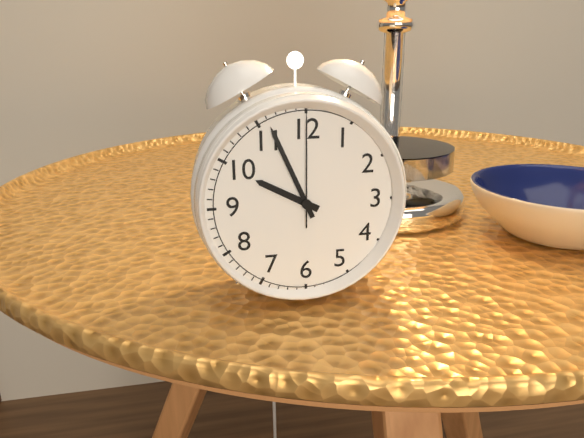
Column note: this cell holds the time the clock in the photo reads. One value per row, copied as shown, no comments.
9:56:00
